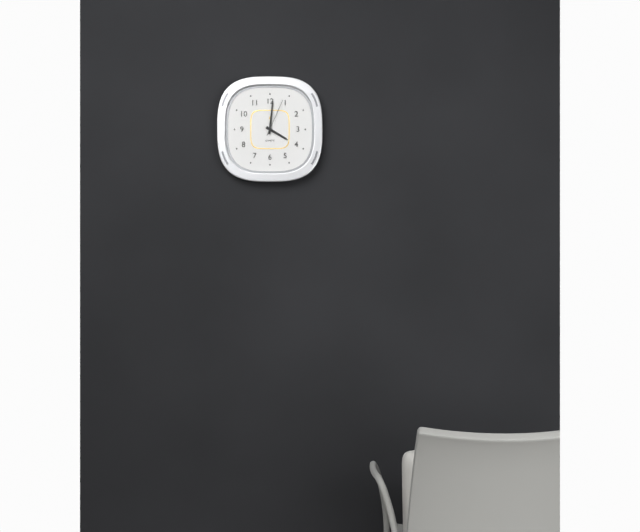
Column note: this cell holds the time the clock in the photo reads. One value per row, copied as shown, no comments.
4:01
